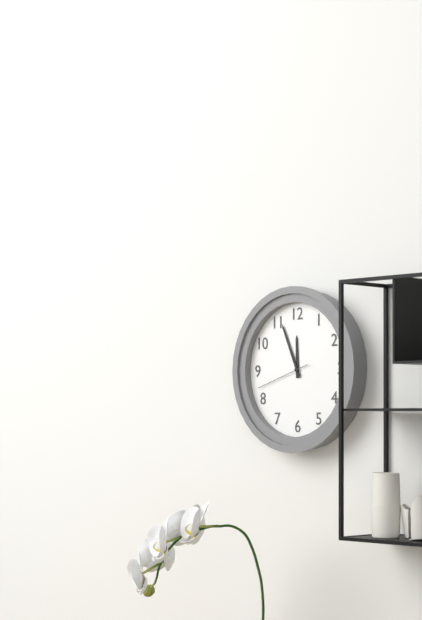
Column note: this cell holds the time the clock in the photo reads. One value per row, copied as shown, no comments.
11:56:42
